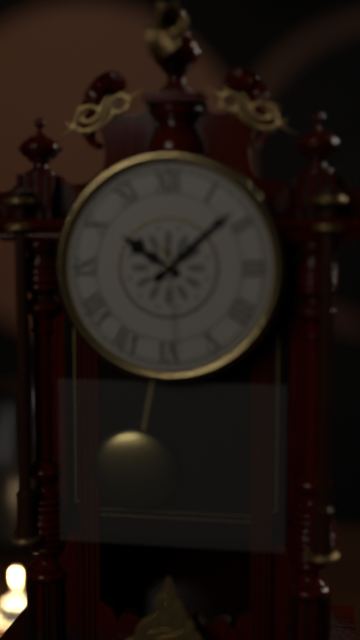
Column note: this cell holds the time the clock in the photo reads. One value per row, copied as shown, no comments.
10:08:29
